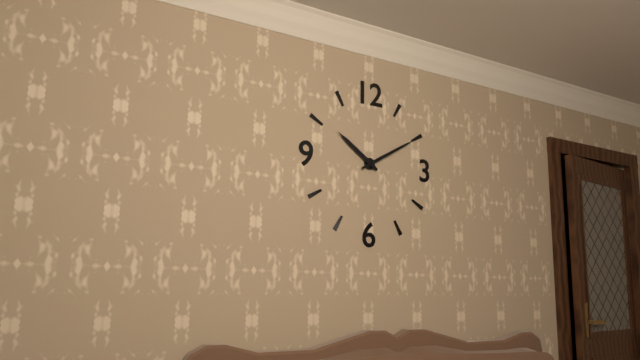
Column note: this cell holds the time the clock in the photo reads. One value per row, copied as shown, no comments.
10:10
